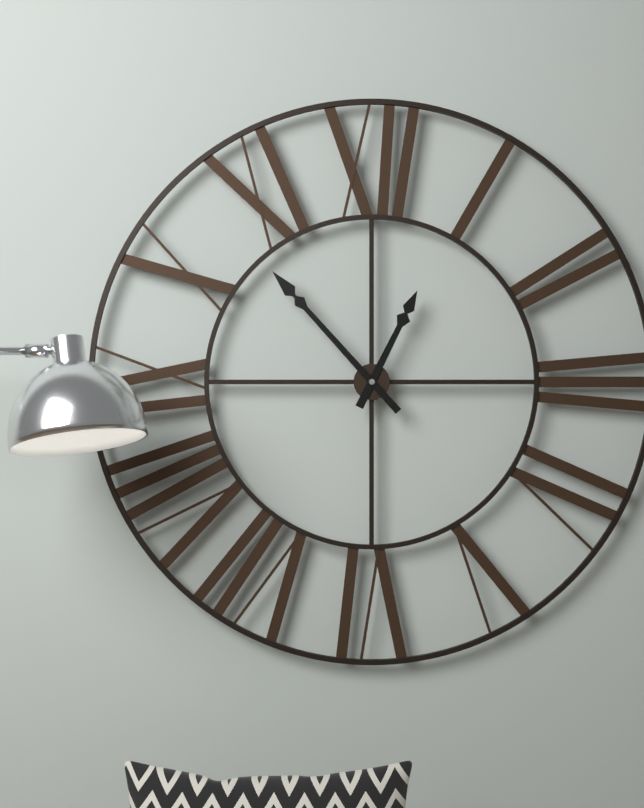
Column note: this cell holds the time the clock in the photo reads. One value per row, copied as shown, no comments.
12:53
